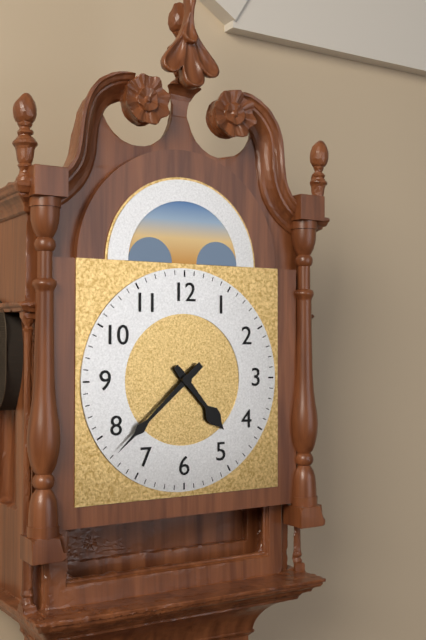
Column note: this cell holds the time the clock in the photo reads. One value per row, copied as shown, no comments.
4:38
